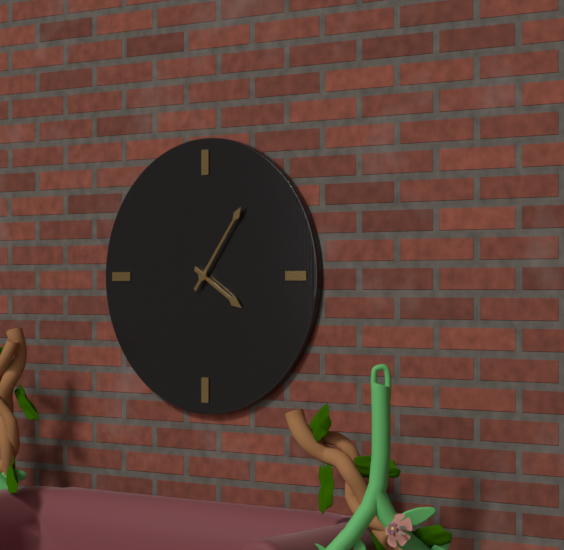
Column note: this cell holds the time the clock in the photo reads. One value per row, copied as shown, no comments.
4:06
